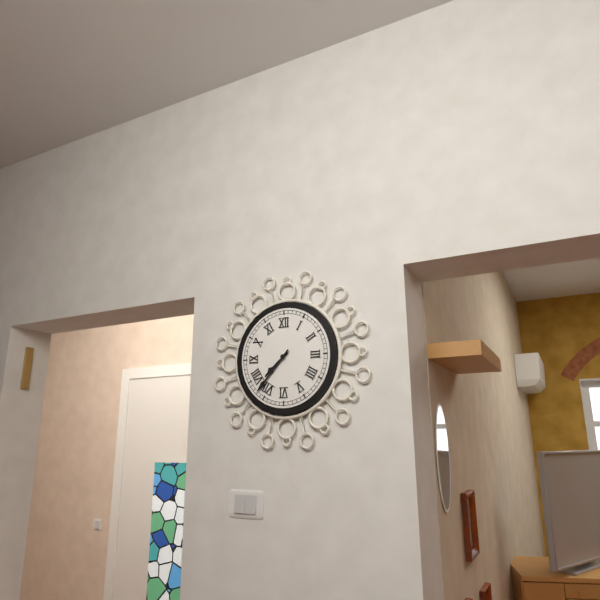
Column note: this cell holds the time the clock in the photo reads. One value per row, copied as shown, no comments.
7:37
